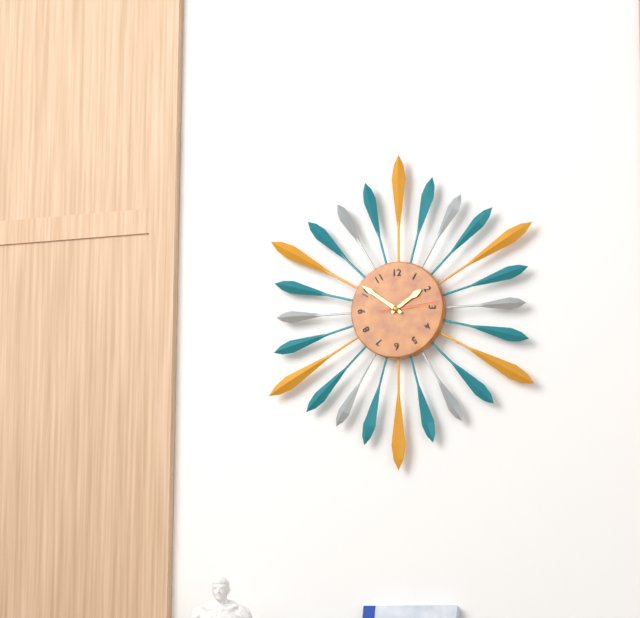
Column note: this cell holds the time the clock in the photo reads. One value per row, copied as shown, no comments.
1:51
